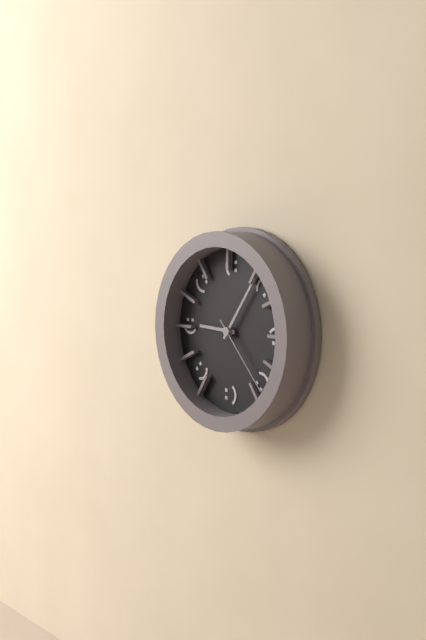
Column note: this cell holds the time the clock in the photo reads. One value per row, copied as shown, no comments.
9:06:23
